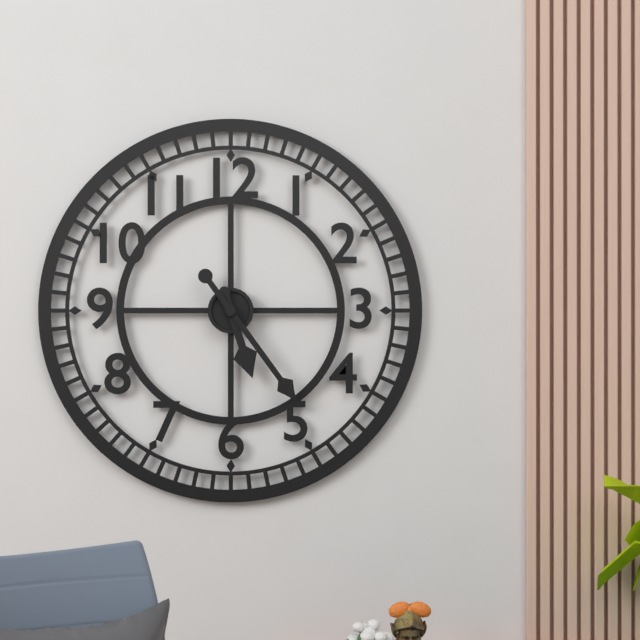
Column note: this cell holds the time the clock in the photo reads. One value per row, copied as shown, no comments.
5:24
